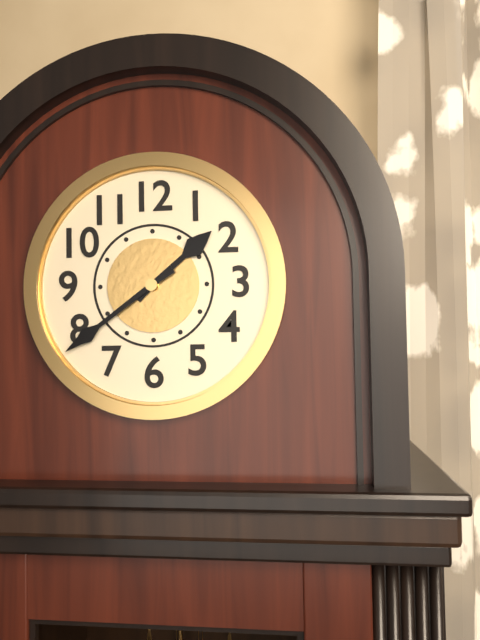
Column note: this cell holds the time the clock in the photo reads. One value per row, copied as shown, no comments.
1:39
